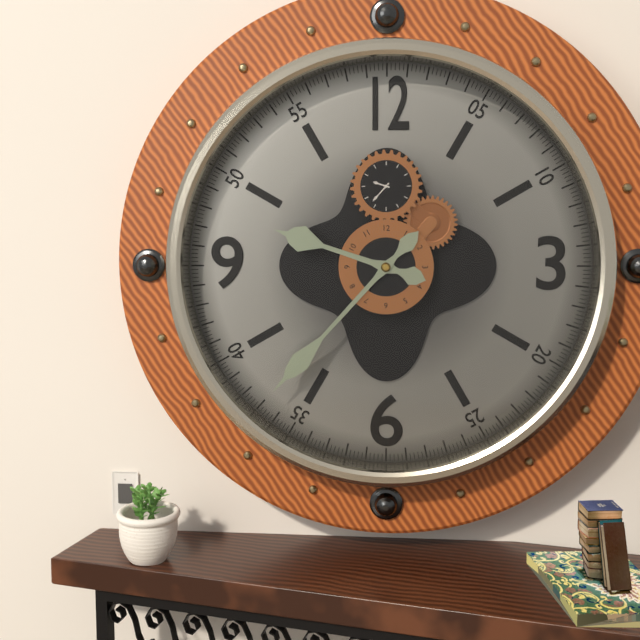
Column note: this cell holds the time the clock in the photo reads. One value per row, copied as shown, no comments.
9:37
